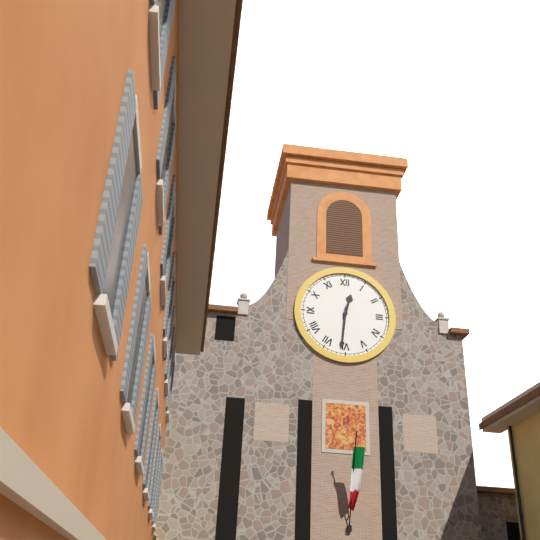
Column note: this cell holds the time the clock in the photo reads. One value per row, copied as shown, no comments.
12:31
